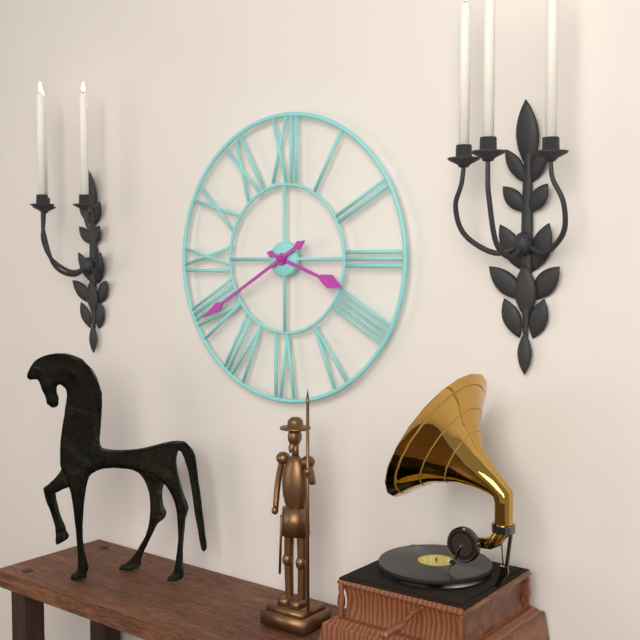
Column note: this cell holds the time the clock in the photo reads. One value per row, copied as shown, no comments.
3:40
